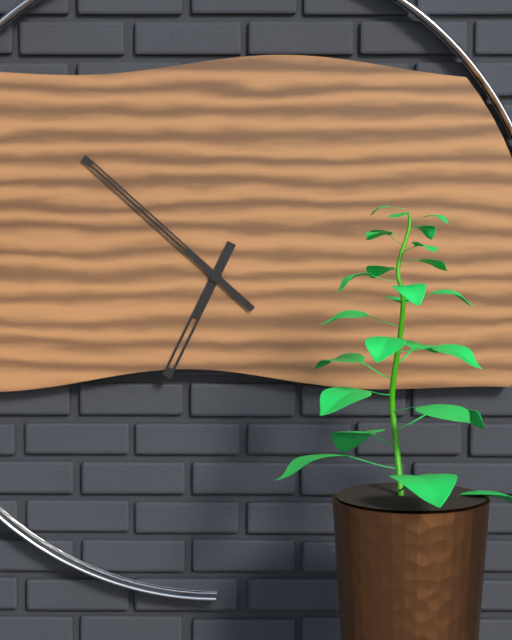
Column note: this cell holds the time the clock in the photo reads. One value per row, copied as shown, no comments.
6:52
